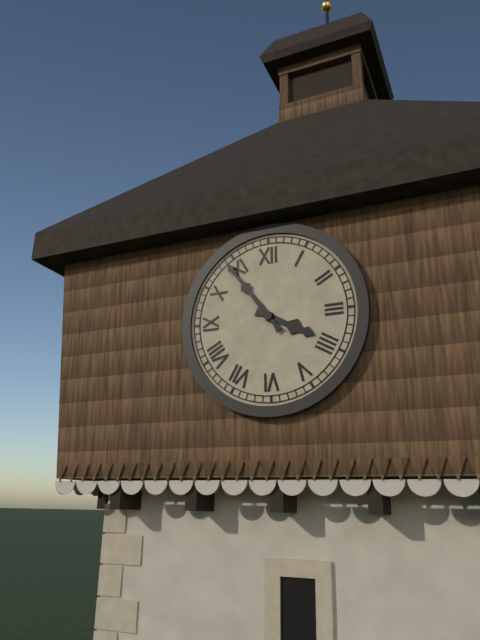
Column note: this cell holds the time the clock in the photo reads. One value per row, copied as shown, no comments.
3:54
